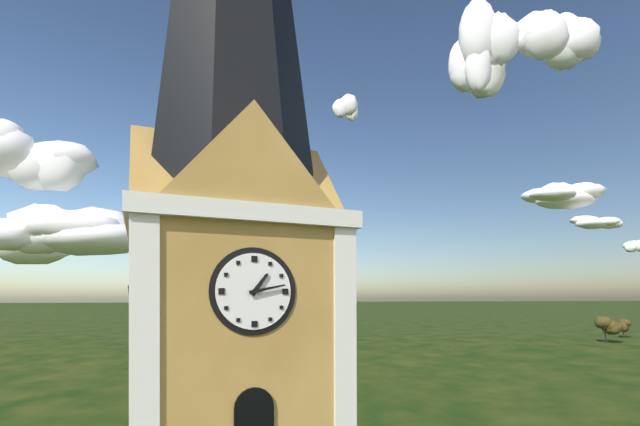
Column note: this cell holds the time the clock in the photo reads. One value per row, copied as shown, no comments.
1:13
